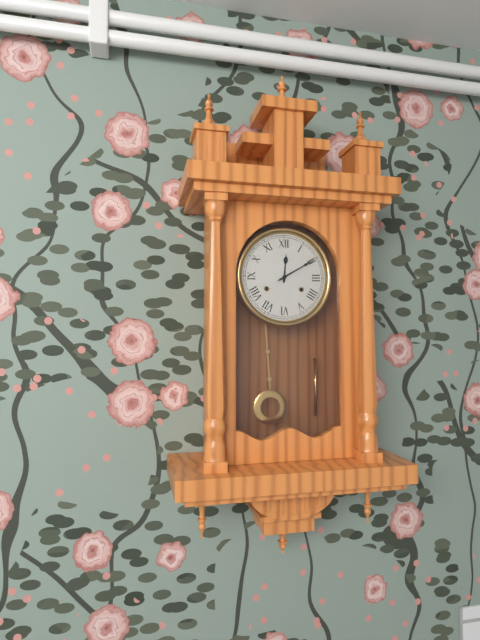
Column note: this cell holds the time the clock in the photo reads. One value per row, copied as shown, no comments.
12:10
